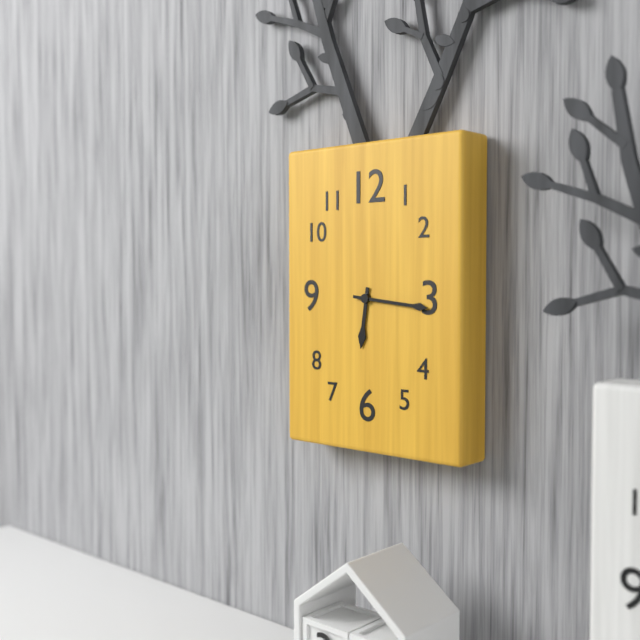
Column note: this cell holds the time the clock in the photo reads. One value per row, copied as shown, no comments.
6:16
